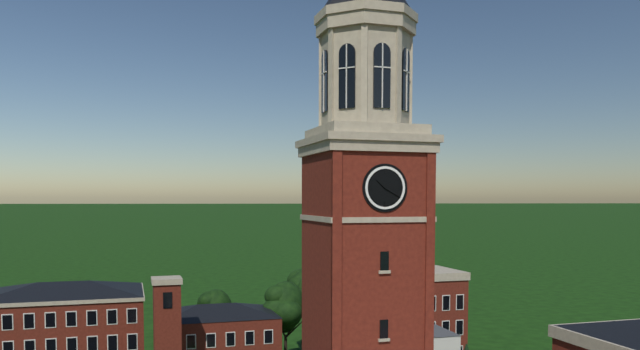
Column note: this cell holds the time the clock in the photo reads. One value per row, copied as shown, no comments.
10:20
